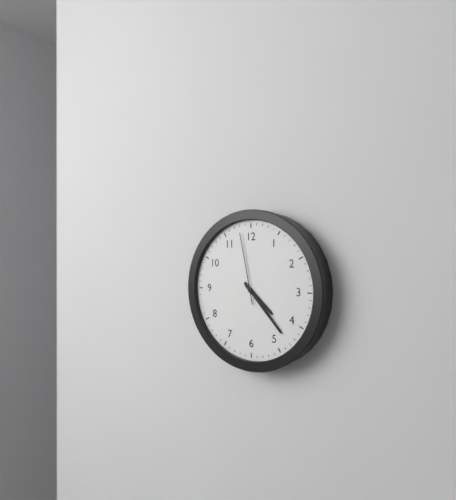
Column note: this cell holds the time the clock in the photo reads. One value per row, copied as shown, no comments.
4:23:58
